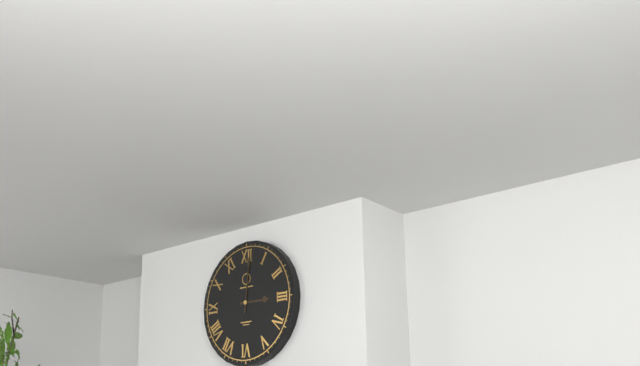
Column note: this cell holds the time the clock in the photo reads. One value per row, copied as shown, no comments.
3:01
